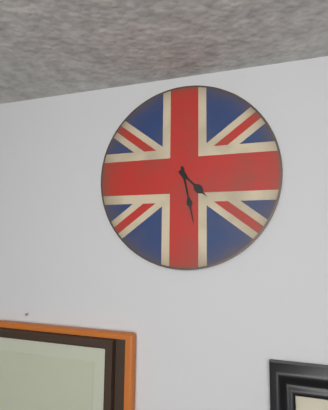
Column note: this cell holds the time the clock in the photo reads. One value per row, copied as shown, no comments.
4:28
